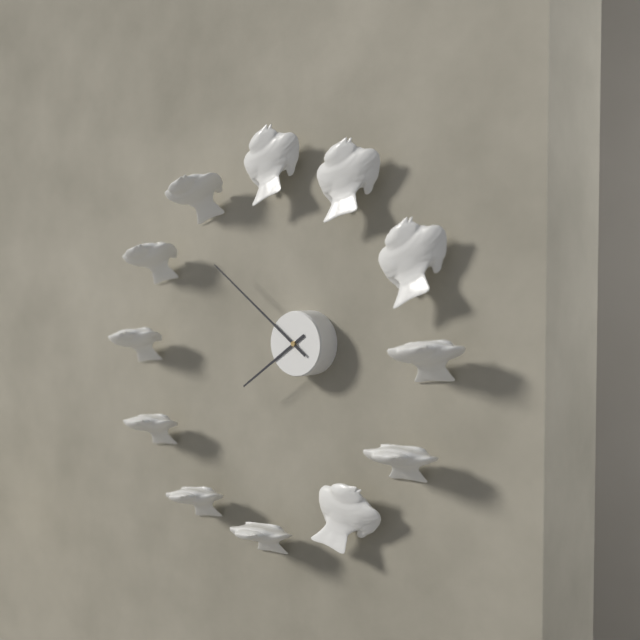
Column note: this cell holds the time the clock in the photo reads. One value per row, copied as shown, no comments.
7:51
